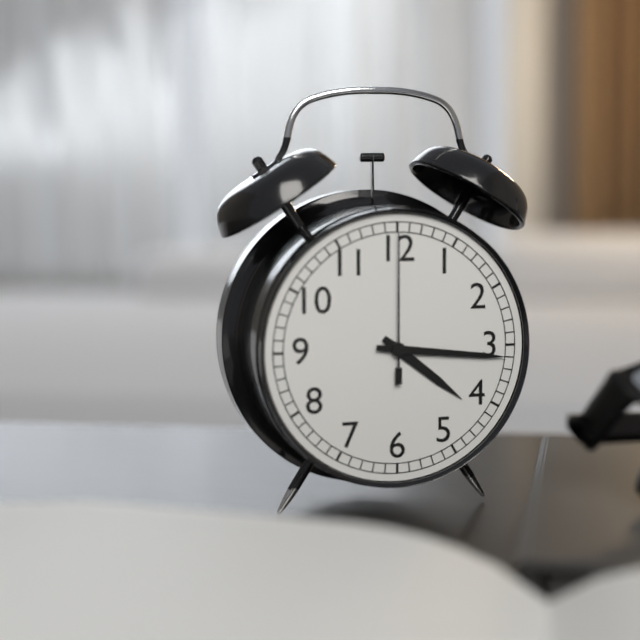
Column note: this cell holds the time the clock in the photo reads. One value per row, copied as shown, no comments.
4:16:00
